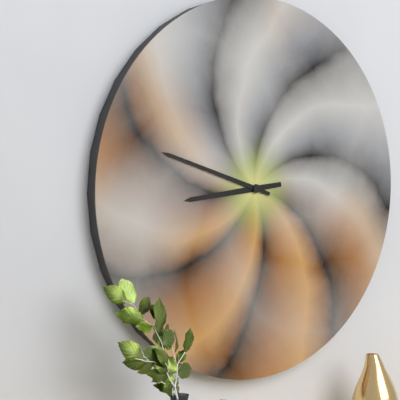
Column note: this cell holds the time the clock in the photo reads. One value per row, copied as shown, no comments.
8:48
